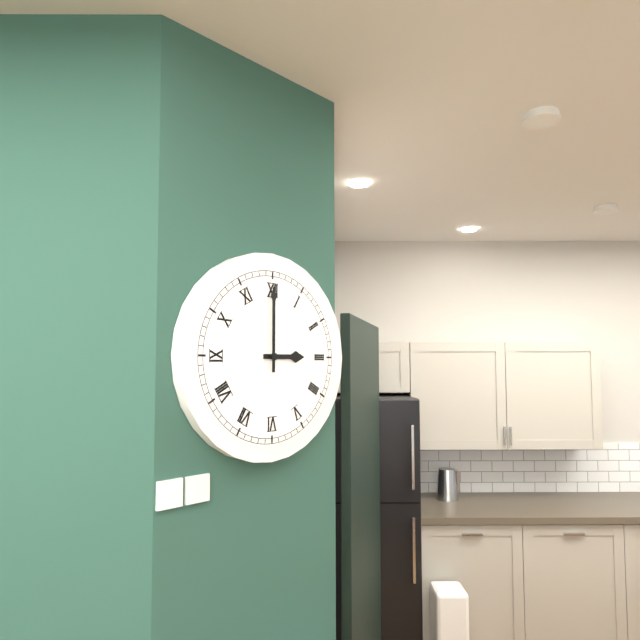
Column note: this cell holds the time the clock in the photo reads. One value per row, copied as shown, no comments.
3:00
